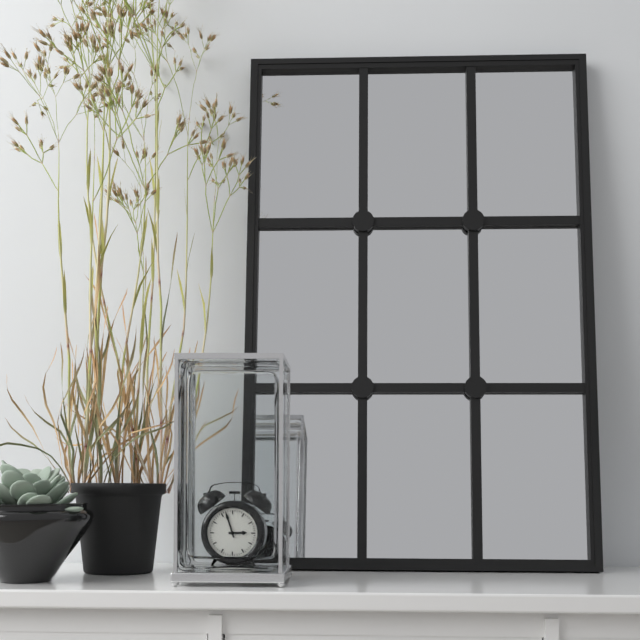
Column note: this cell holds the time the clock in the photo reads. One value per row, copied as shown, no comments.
2:57
